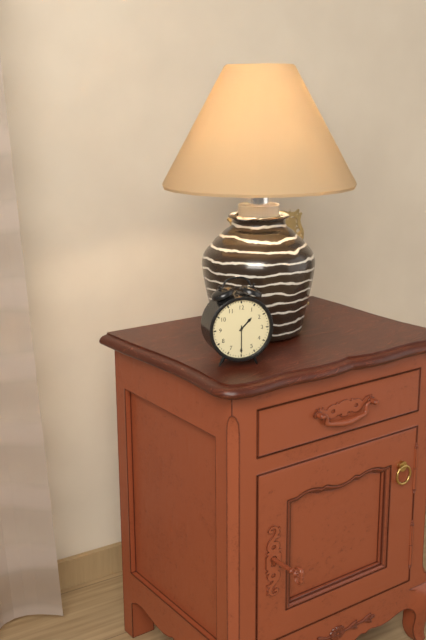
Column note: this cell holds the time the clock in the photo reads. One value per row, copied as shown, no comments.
1:30
